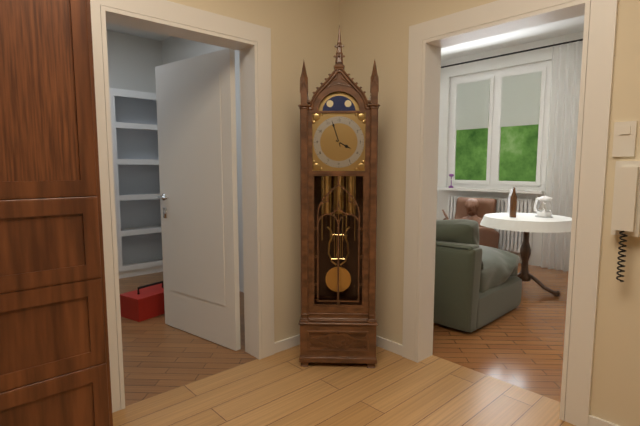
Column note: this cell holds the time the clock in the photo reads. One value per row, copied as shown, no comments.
3:57
